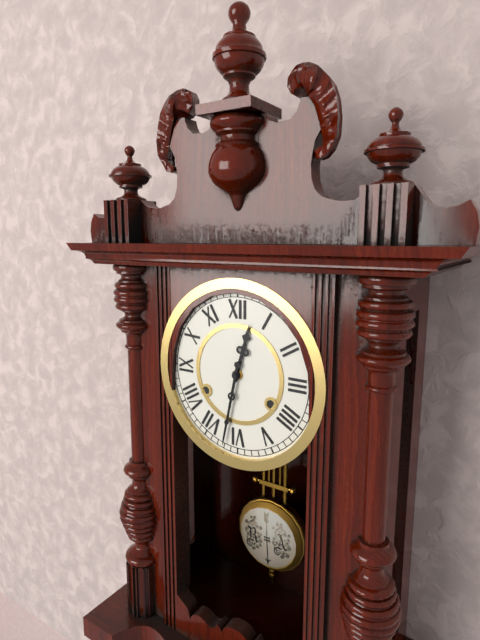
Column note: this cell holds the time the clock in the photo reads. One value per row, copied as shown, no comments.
12:32
